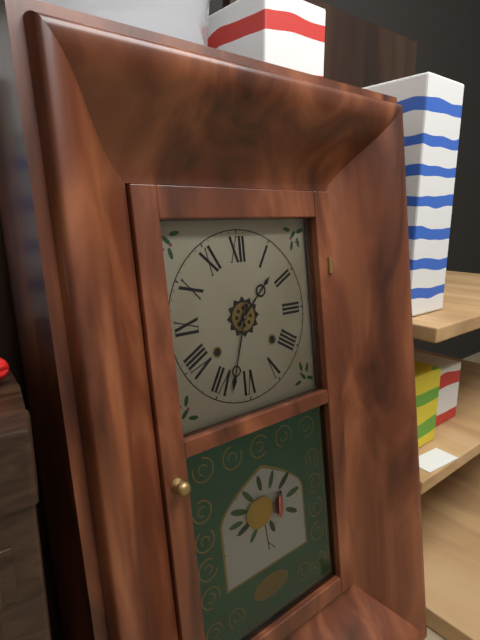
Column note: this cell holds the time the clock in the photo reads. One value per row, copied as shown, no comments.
1:33
